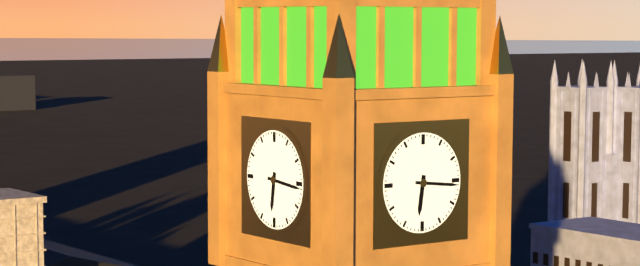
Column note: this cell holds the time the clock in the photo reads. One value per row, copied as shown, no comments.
6:16
